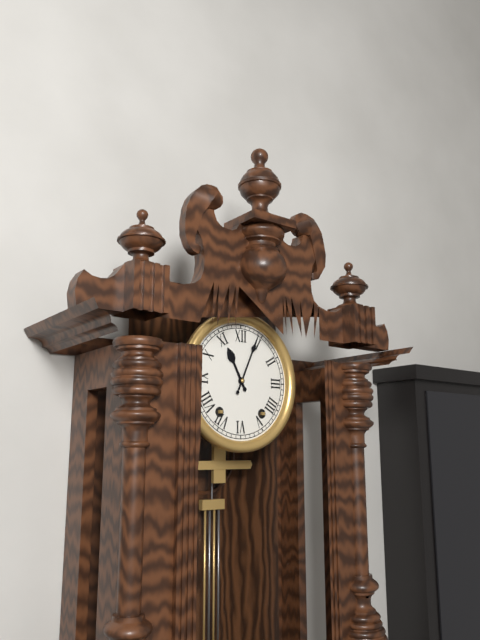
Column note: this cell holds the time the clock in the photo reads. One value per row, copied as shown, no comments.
11:04
